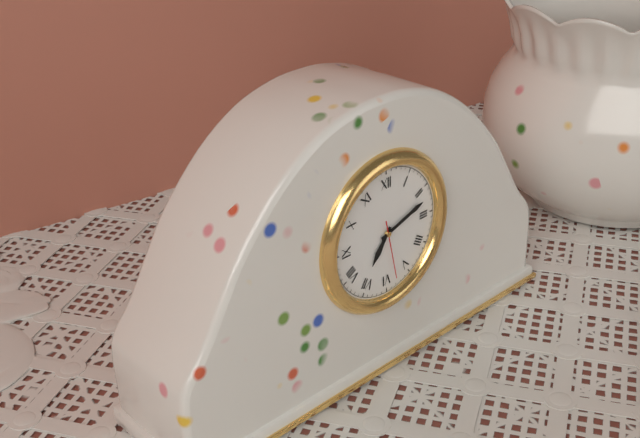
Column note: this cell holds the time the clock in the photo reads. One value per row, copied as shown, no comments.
7:12:28
